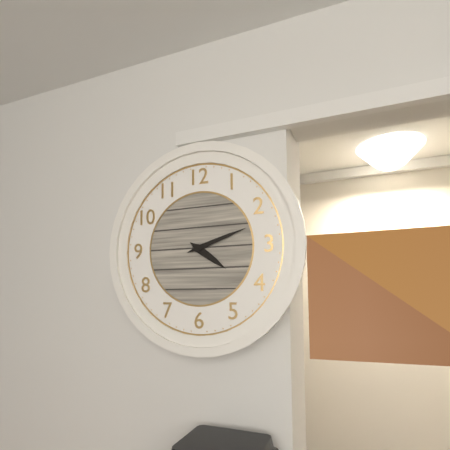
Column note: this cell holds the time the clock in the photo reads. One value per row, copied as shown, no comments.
4:12
